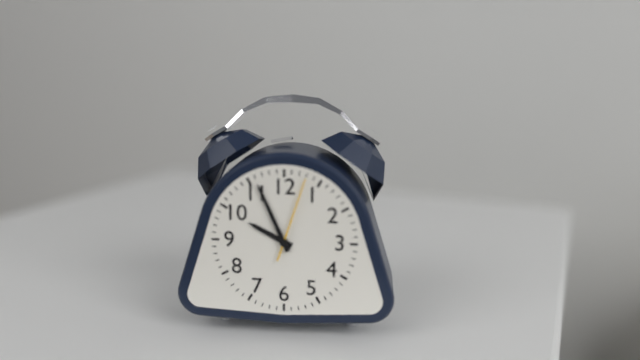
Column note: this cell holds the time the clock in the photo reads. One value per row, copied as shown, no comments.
9:56:03
